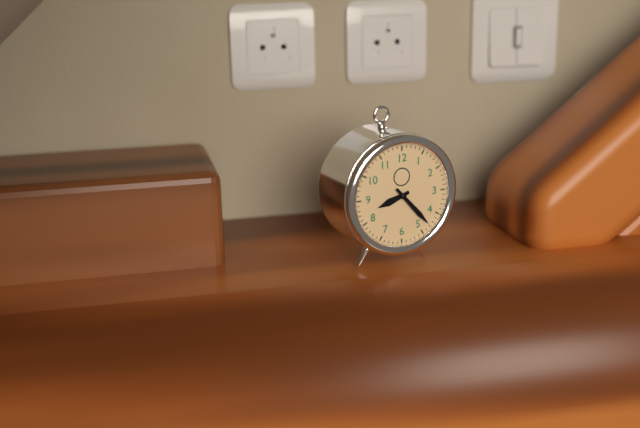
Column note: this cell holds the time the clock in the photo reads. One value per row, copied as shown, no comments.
8:23
